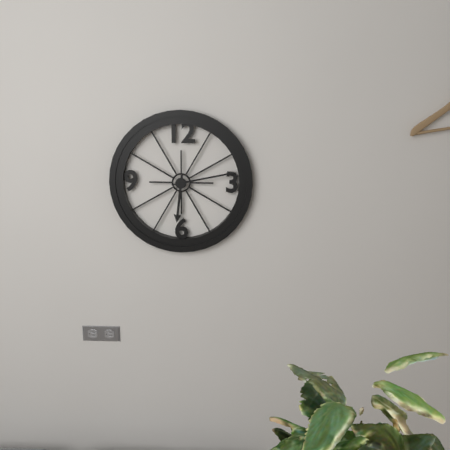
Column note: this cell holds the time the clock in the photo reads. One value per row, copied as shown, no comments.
6:13
